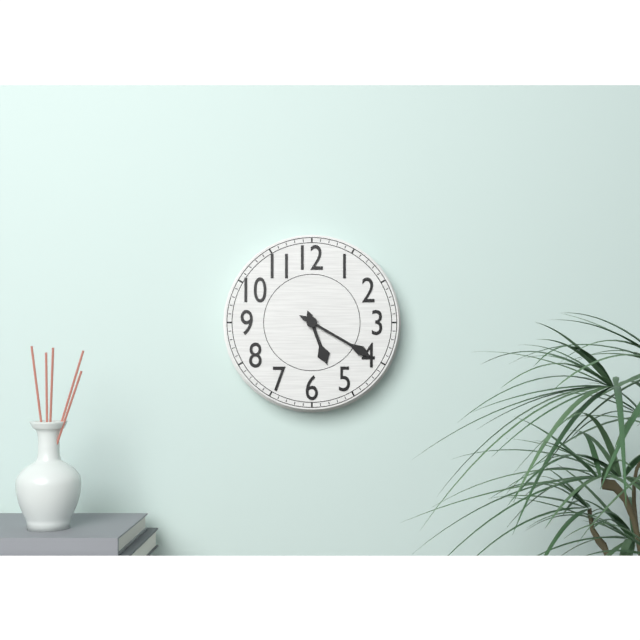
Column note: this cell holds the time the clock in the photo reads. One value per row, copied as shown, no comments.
5:20
